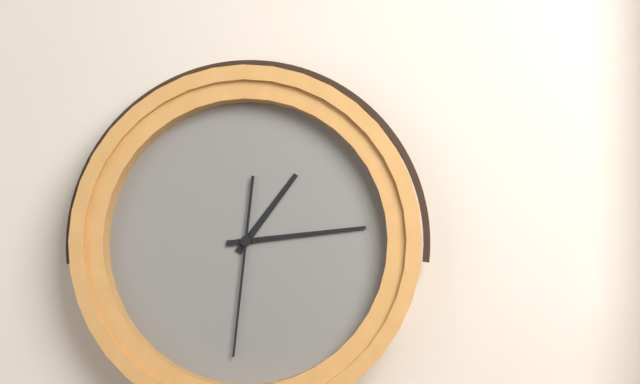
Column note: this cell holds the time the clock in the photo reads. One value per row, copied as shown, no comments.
1:14:31
